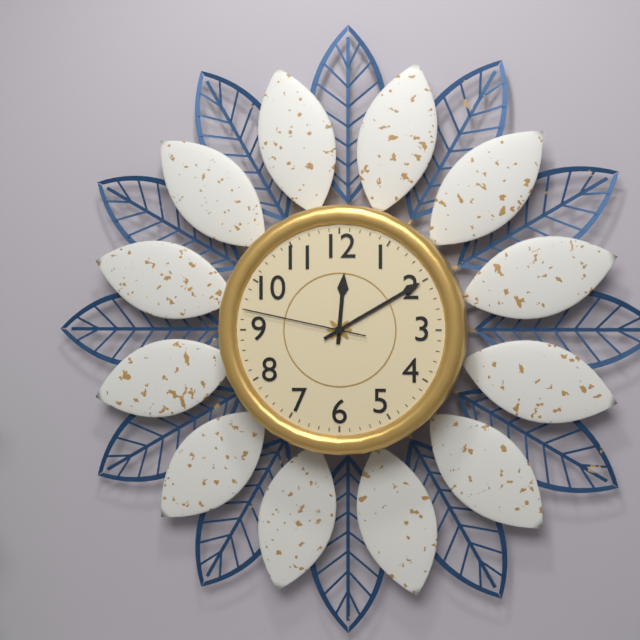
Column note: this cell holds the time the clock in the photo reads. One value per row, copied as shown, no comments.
12:10:47
